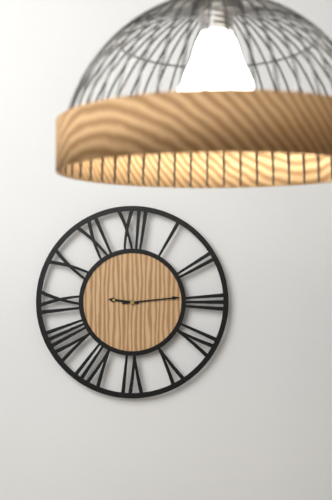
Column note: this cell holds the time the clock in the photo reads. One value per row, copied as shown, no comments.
9:14
